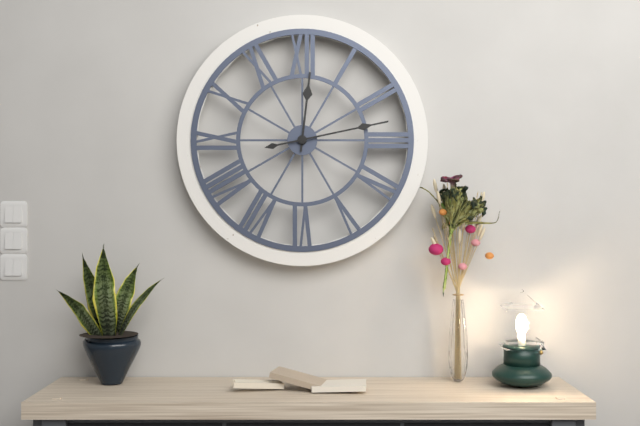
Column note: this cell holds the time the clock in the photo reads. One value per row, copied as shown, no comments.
12:13
